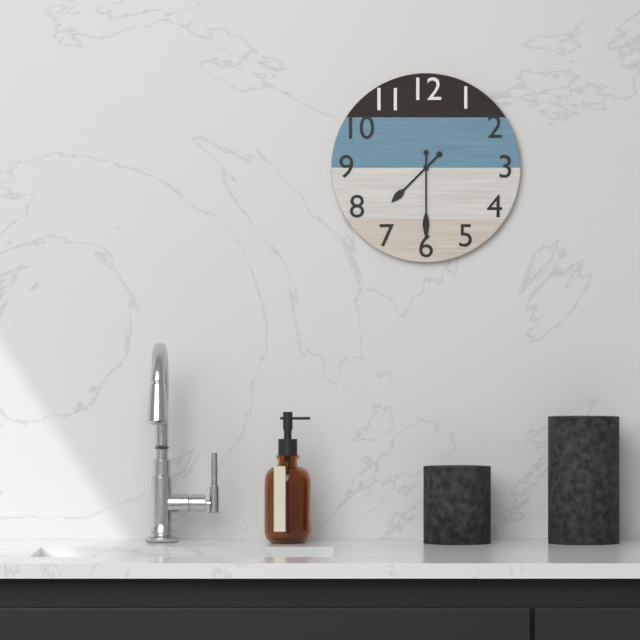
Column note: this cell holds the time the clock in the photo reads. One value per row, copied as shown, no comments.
7:30
